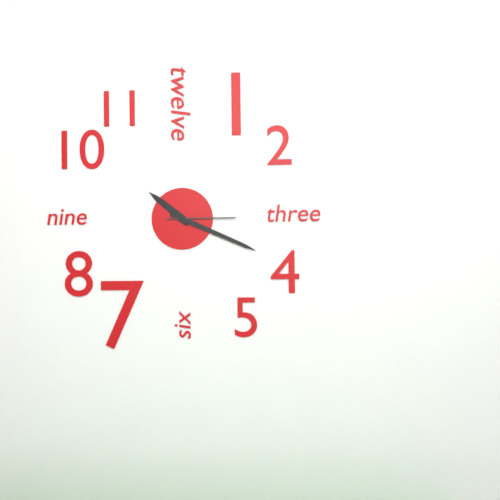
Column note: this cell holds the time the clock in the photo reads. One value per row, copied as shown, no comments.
10:19:15
